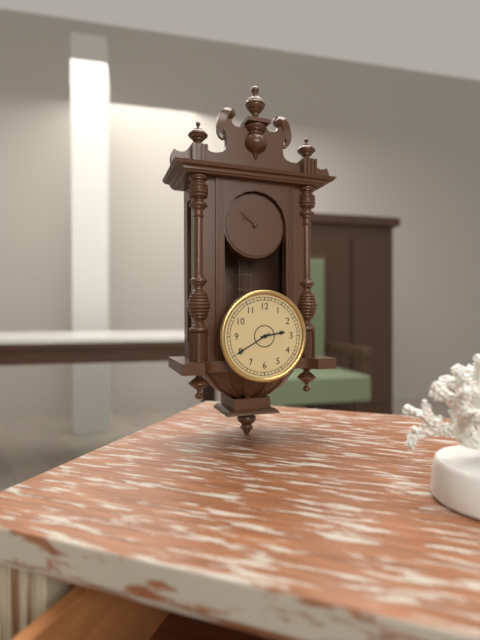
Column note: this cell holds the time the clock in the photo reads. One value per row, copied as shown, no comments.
2:40
